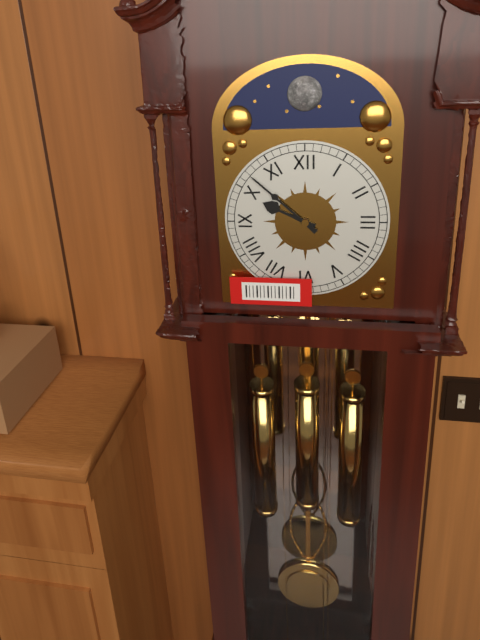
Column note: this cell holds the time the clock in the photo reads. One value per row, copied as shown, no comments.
9:52
